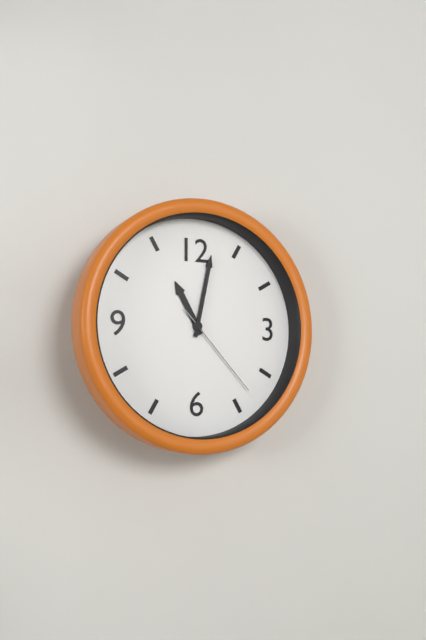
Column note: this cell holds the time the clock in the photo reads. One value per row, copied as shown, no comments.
11:02:23
